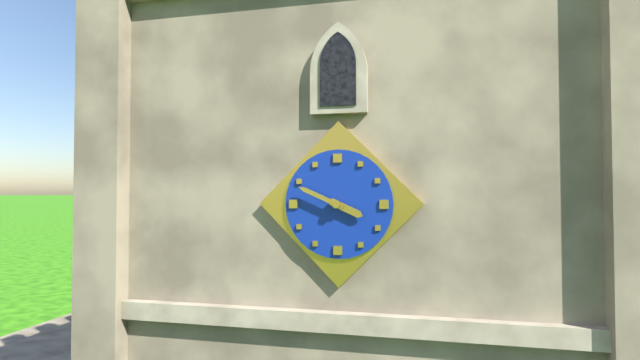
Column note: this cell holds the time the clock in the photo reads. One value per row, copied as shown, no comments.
3:49
